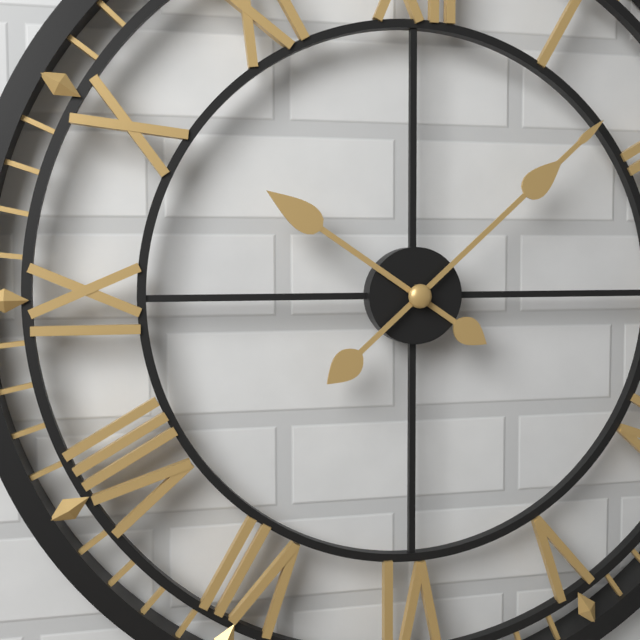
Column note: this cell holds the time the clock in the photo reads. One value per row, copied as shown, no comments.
10:08
